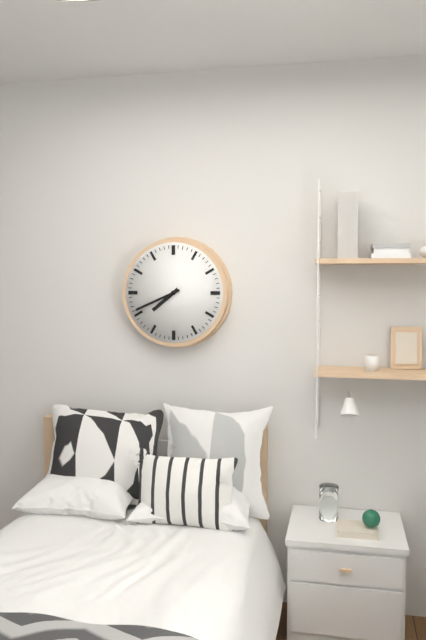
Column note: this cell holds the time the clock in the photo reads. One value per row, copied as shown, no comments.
7:41
